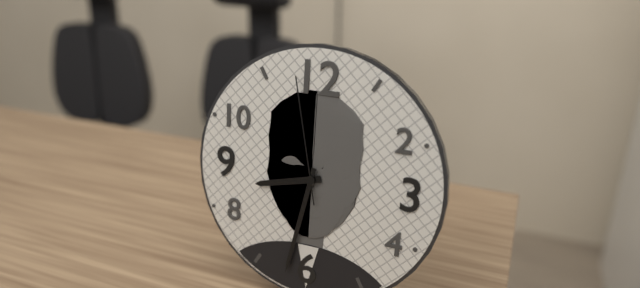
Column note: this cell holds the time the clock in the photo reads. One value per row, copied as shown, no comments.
8:32:58
